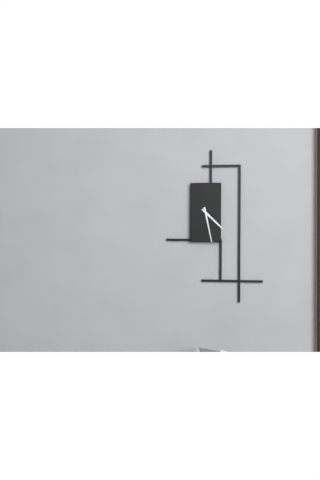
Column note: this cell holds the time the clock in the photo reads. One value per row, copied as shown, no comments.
4:28
